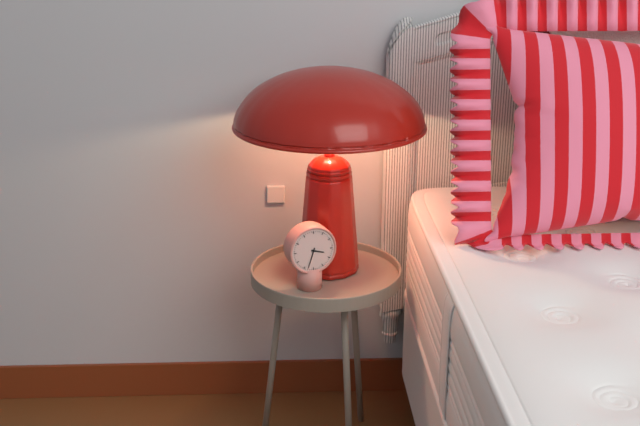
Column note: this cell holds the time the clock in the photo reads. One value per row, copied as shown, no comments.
3:33
